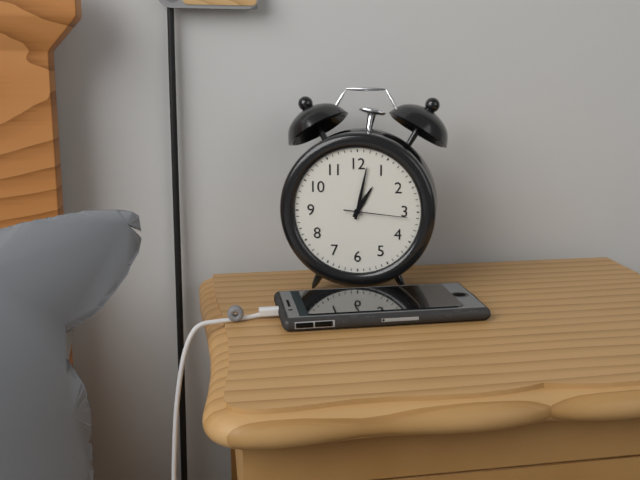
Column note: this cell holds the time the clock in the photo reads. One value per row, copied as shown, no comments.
1:02:16
